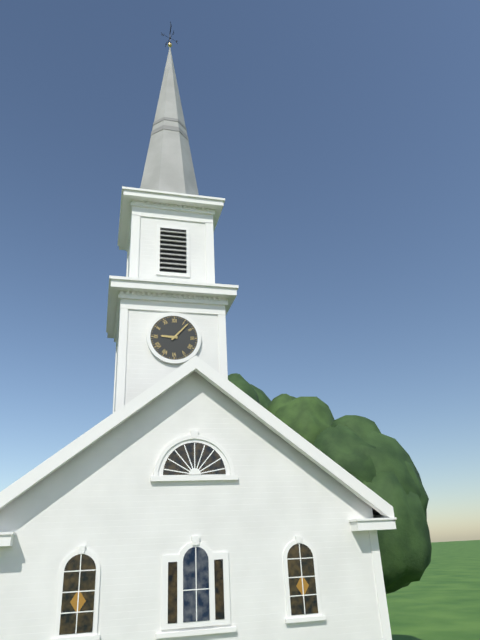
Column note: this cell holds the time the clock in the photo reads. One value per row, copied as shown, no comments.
9:07
